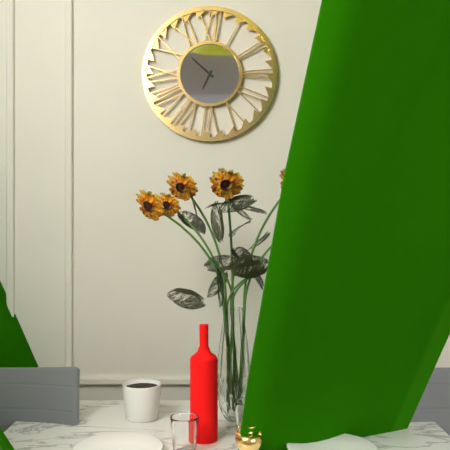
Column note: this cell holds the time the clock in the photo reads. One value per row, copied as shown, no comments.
6:52
